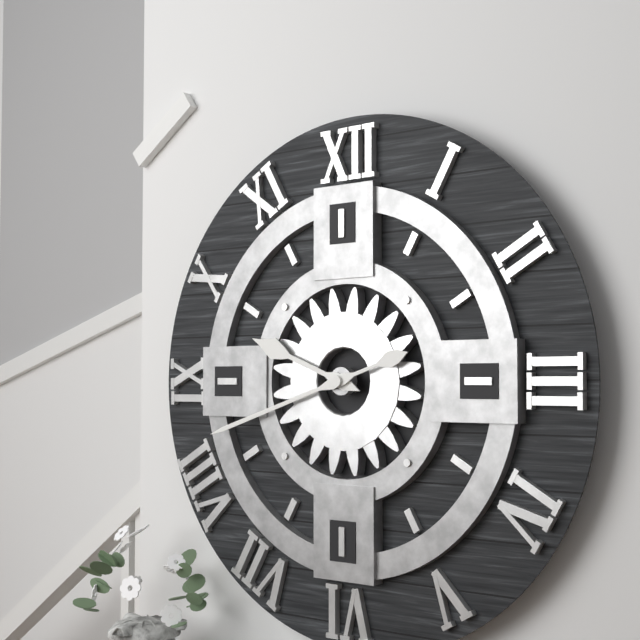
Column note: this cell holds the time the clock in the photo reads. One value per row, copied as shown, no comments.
9:42
